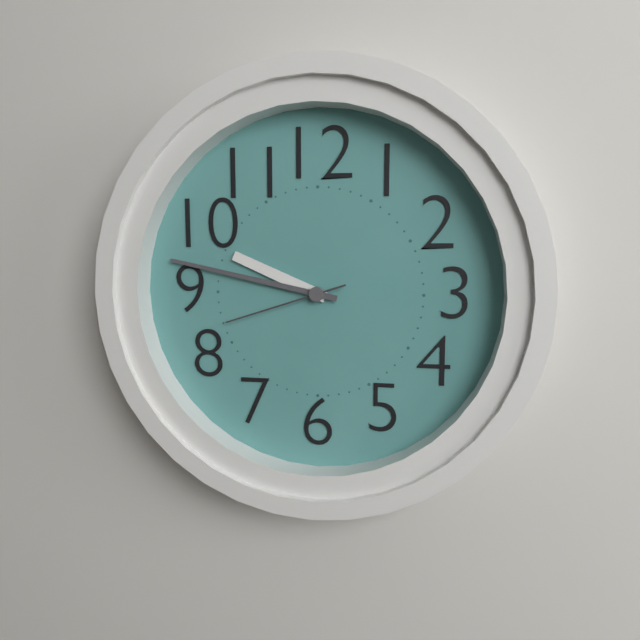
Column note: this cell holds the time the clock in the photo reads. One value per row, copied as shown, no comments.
9:47:42
